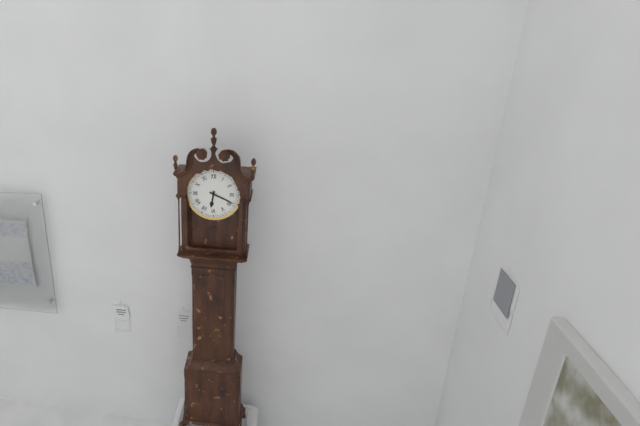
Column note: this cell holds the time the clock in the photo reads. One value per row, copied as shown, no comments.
6:19
